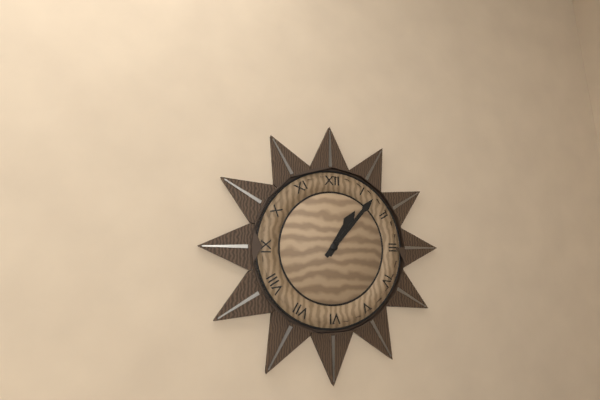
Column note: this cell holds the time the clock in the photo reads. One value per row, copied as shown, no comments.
1:07
